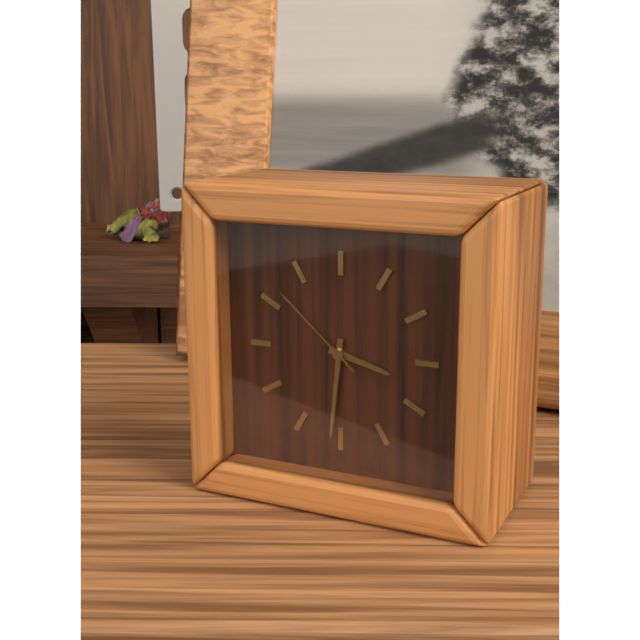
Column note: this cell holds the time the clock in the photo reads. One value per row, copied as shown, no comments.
3:31:52
